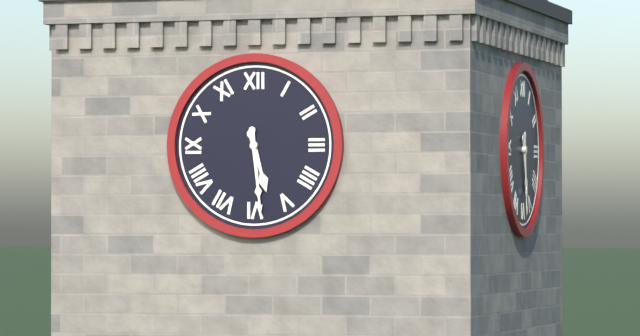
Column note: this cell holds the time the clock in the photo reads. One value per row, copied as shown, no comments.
5:29
